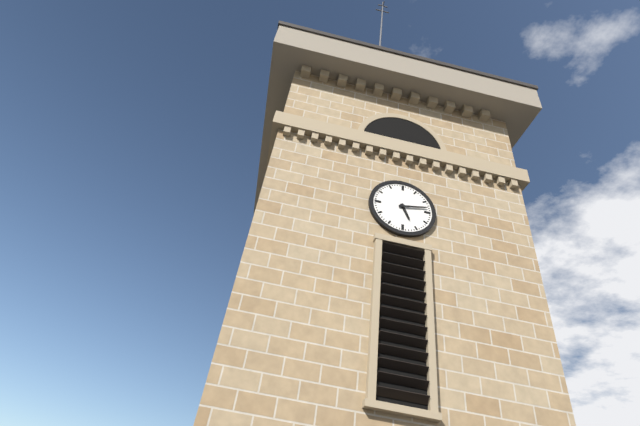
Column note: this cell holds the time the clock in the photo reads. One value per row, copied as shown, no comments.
5:13
